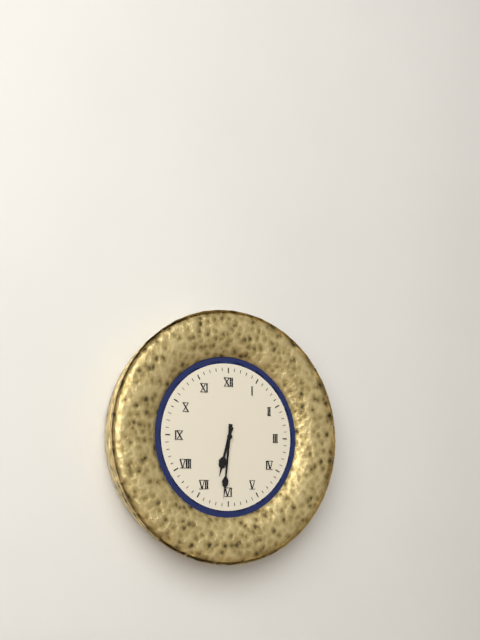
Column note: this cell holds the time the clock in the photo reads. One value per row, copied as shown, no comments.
6:31
